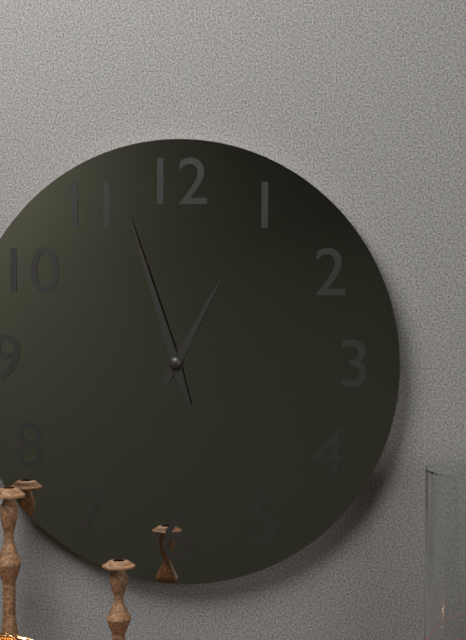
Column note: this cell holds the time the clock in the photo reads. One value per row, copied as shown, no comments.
12:57
